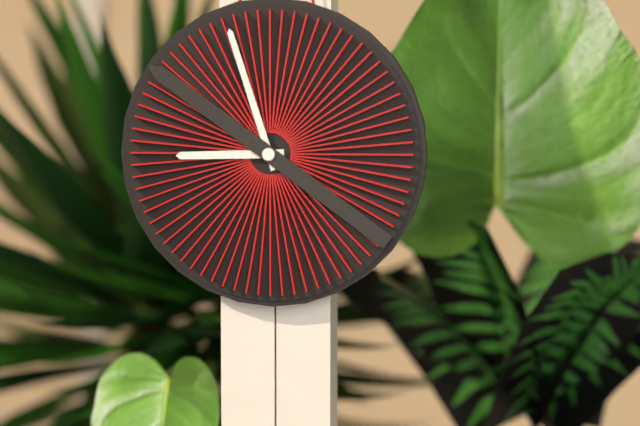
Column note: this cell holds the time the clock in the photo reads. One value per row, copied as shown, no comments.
8:57:51
